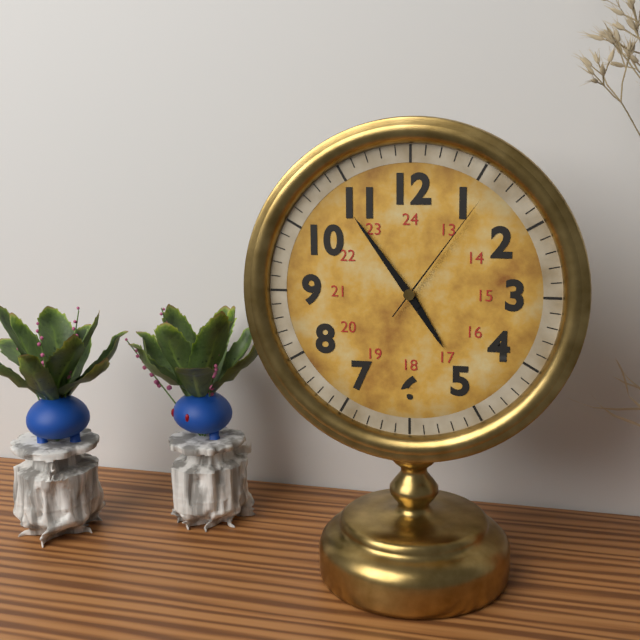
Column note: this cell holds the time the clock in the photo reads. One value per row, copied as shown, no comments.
4:54:06
